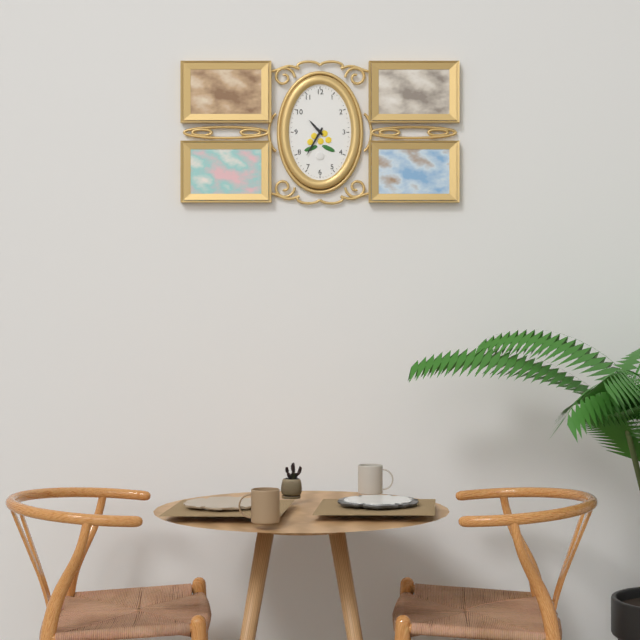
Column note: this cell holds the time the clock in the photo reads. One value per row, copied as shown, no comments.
10:35
